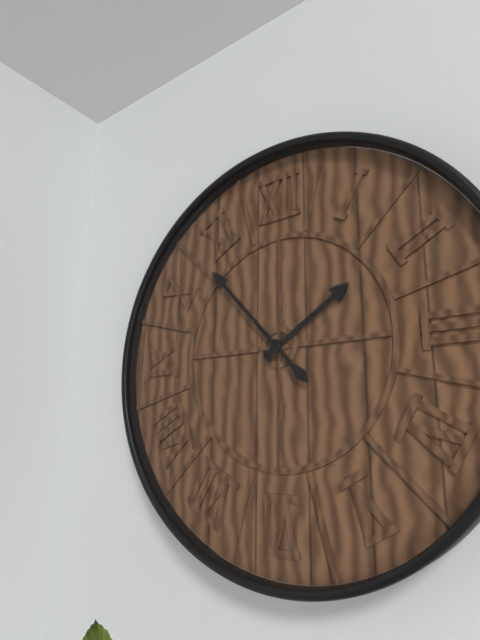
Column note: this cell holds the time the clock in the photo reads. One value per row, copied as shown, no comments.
1:53
